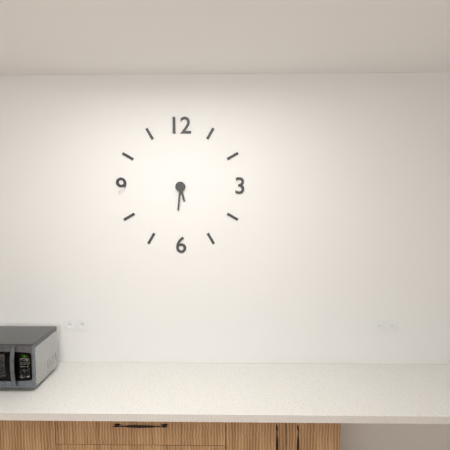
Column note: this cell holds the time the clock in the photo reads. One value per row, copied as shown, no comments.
5:31
